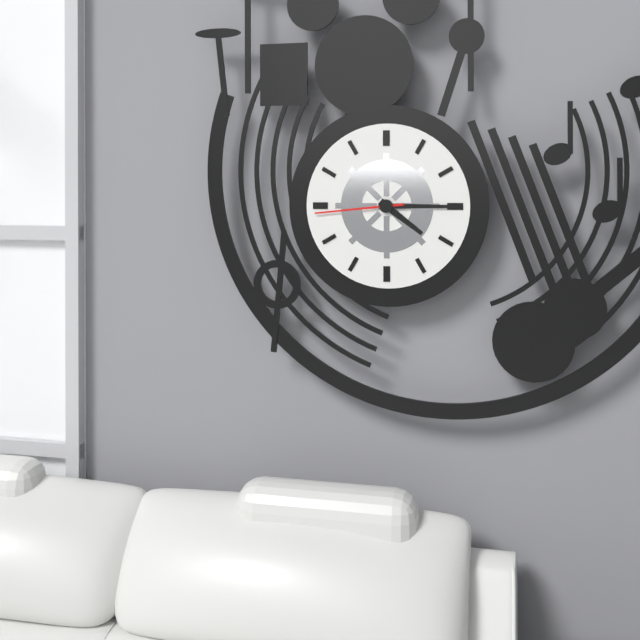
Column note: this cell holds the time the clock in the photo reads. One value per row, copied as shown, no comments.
4:15:44
